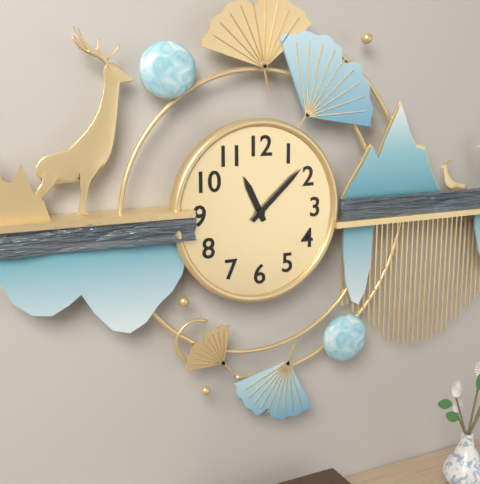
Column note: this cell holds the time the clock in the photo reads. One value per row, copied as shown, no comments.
11:08
